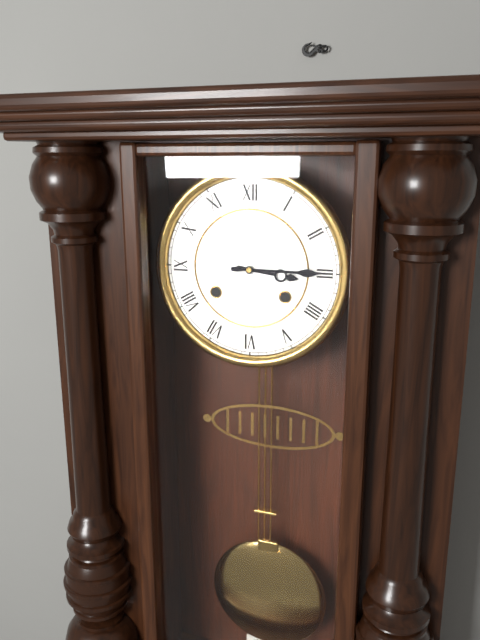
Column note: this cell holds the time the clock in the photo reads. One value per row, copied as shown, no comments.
3:15
